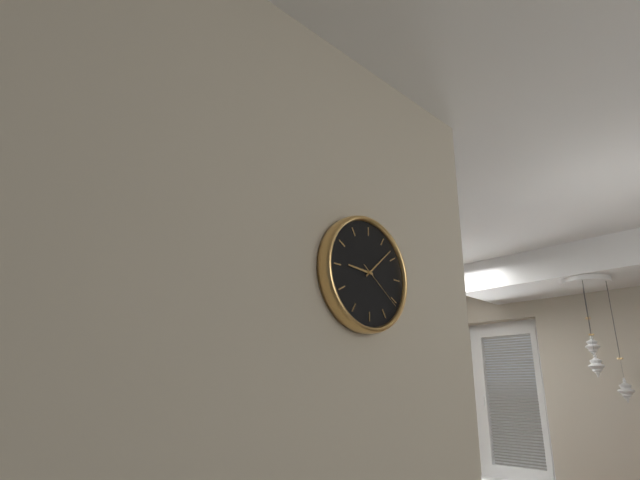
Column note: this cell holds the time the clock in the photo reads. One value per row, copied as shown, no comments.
9:08:21
